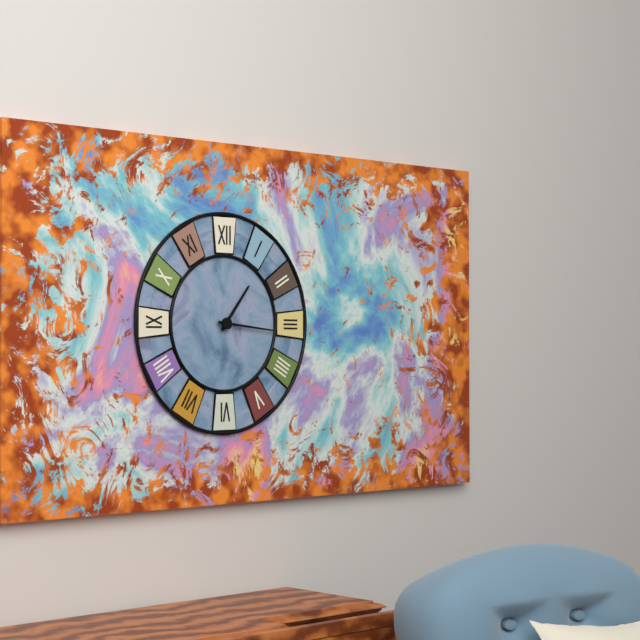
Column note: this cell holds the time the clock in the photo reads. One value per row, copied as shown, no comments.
1:16
